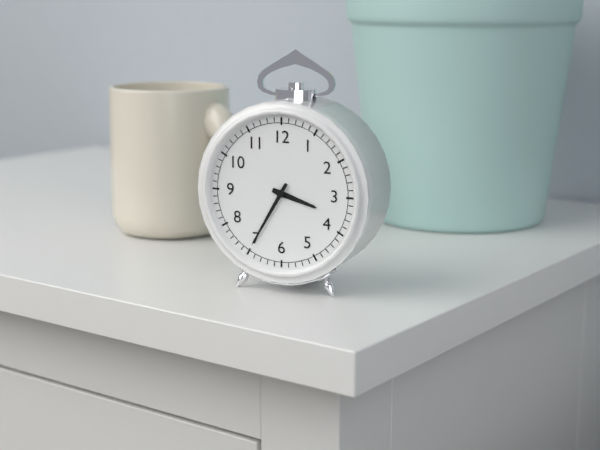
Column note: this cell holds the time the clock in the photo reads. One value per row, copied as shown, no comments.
3:35
